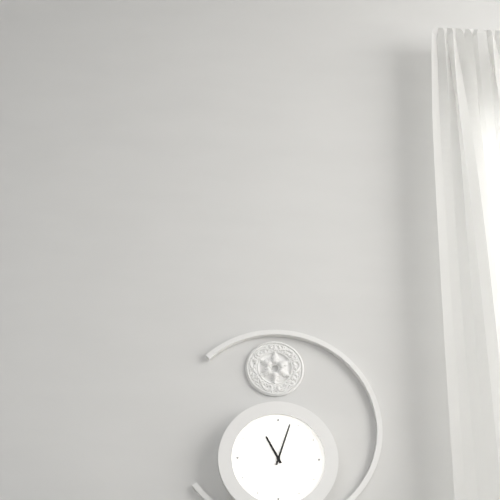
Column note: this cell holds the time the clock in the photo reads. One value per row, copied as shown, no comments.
11:03
